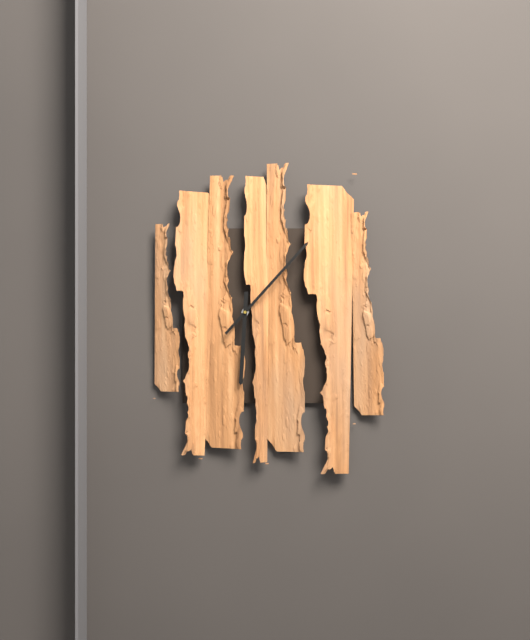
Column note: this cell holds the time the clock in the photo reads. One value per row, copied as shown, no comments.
6:07
